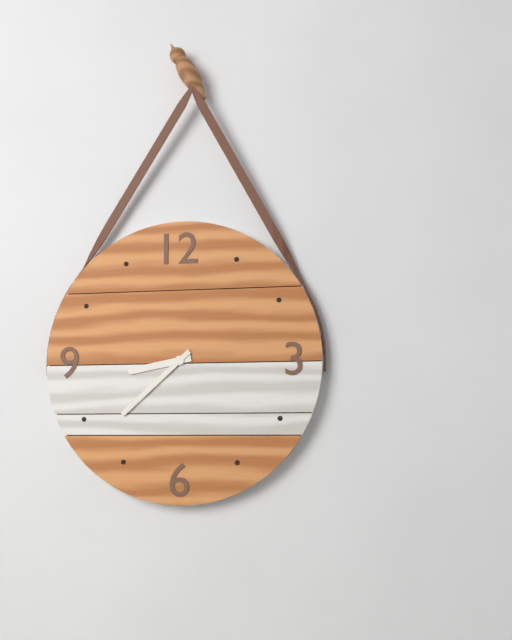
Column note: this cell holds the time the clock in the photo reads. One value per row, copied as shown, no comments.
8:38
